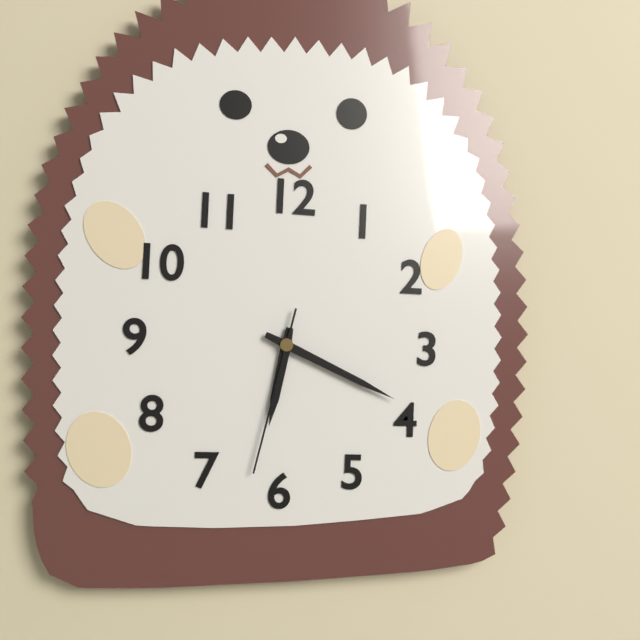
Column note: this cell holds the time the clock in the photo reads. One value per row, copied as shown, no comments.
6:19:32
